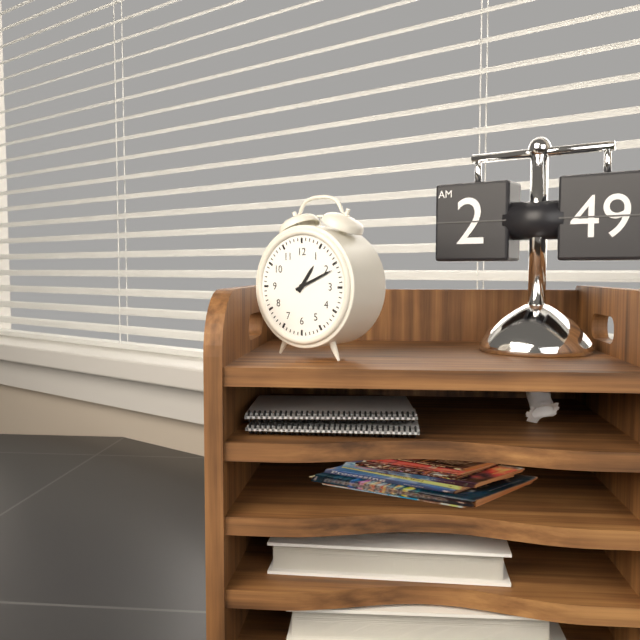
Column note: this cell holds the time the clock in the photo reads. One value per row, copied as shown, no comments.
1:11
